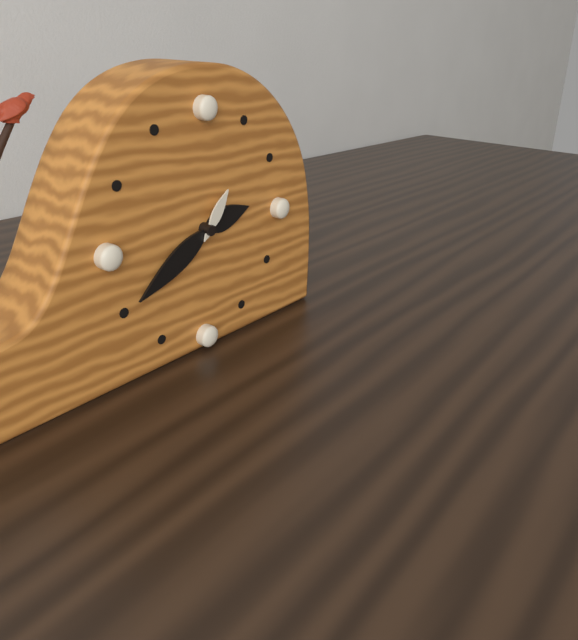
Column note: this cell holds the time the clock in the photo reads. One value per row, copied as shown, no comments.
2:40:06
